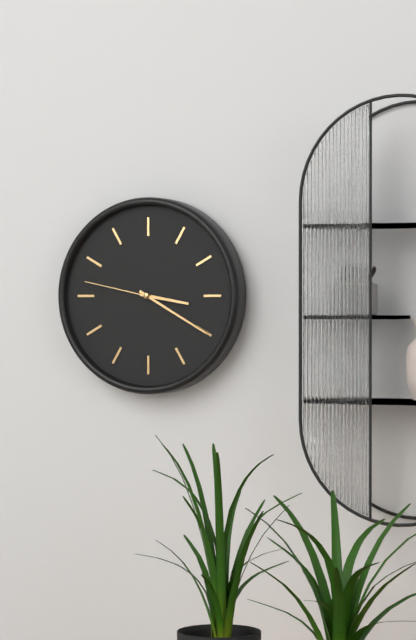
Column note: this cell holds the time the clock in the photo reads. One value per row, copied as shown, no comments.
3:20:47
